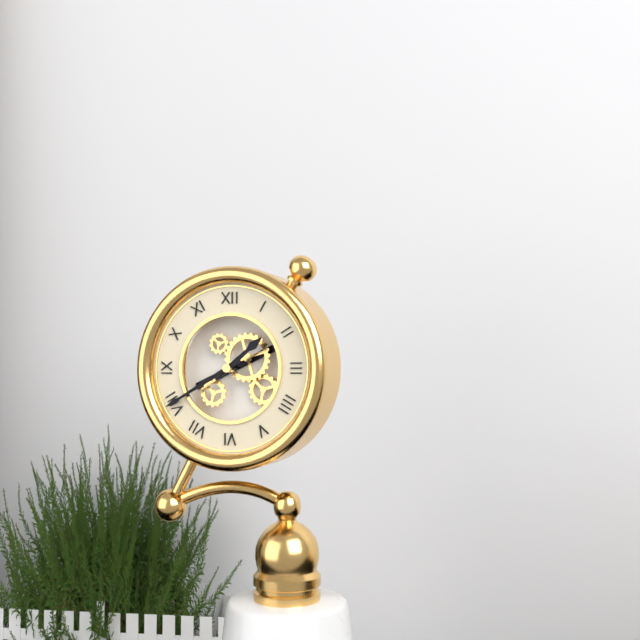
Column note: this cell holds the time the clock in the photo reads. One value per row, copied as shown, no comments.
1:40
